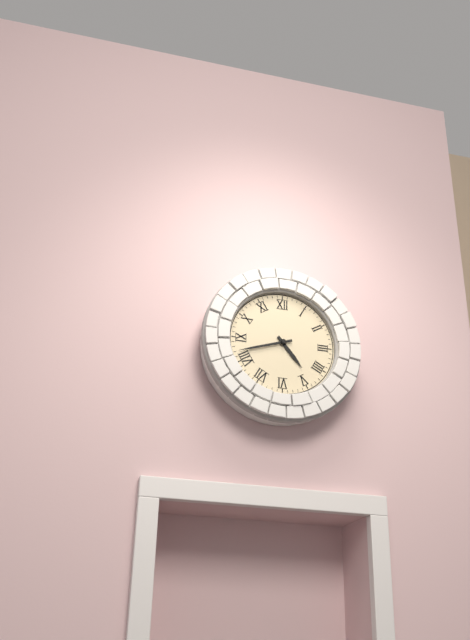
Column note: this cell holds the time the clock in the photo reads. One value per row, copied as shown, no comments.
4:42
